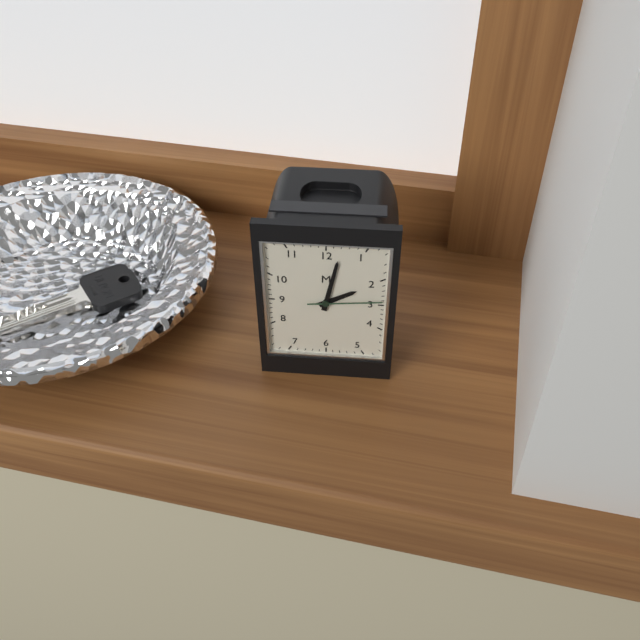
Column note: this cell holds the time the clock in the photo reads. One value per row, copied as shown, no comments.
2:02:14
